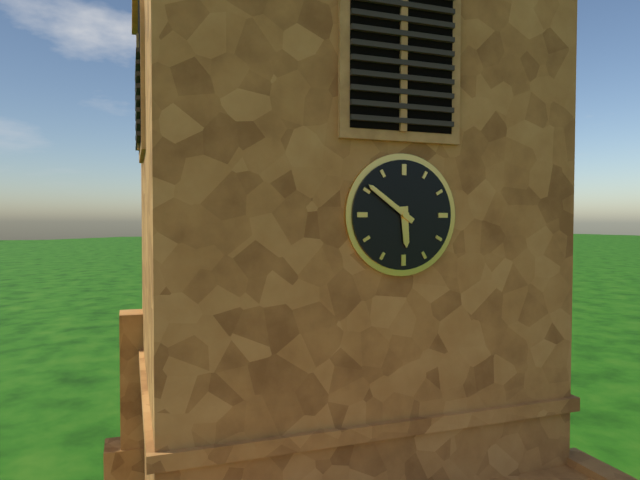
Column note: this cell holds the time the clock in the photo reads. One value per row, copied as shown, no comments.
5:51
